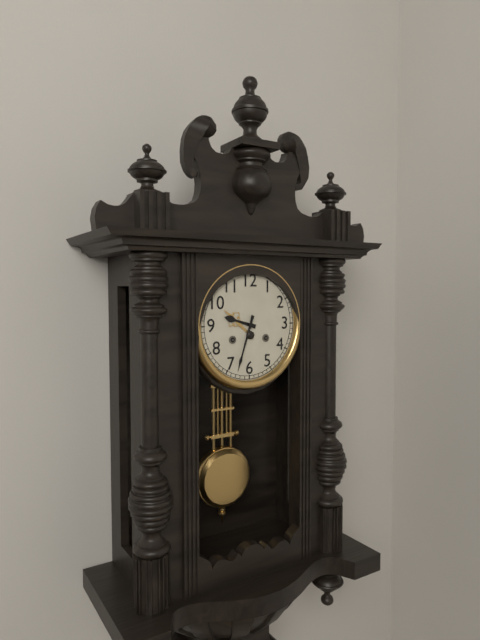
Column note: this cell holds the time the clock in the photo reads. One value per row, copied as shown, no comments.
9:33
